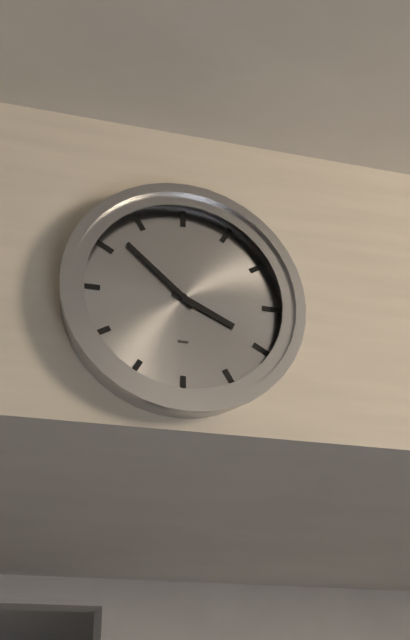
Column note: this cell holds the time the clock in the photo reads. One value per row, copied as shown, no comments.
3:52
